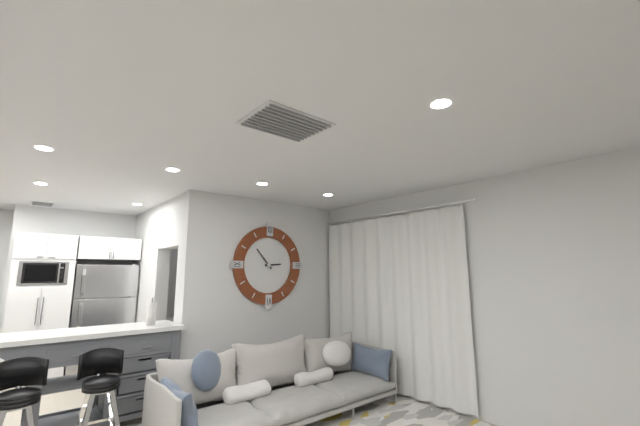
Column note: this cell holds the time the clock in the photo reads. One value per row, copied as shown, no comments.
2:53
